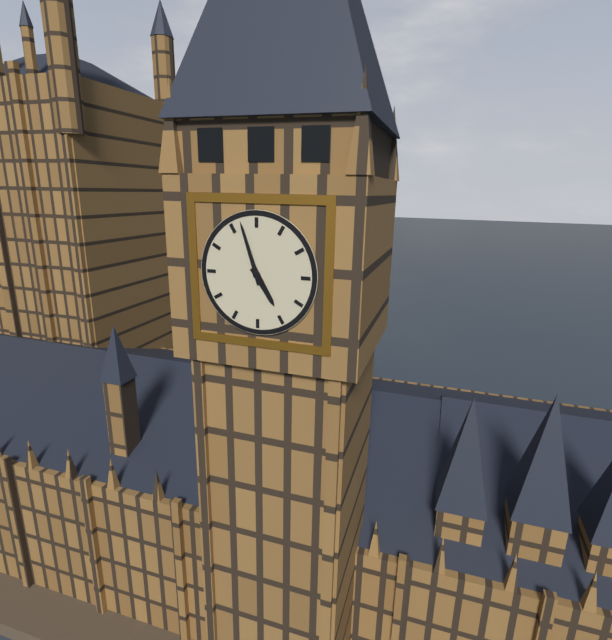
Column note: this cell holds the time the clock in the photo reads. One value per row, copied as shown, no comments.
4:57
